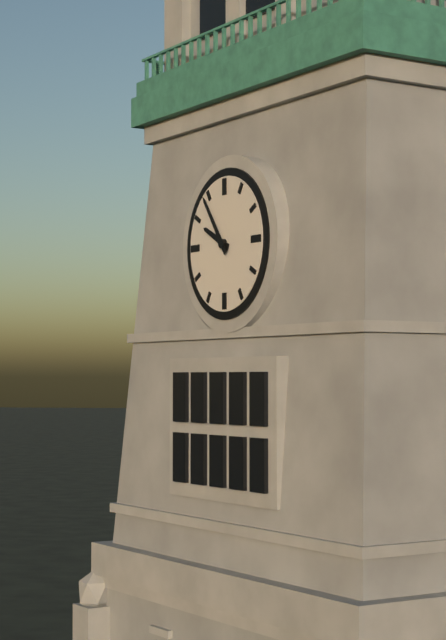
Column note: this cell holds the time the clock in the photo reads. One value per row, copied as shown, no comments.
9:54
